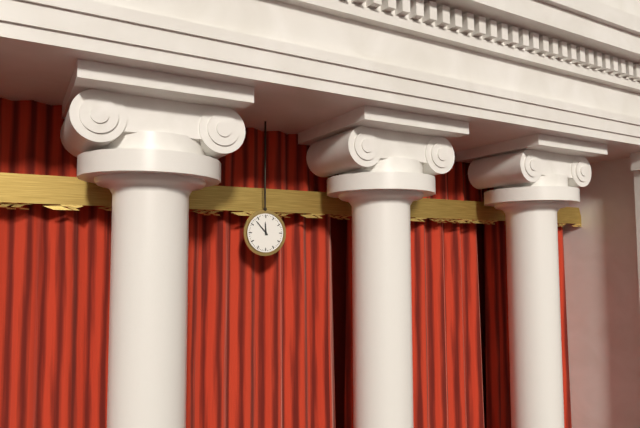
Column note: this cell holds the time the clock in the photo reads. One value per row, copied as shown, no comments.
11:53
